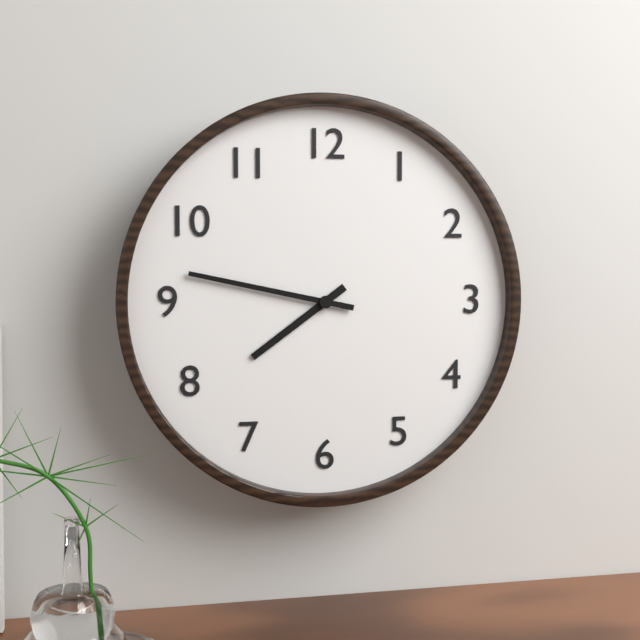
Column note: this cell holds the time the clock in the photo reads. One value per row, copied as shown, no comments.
7:47
